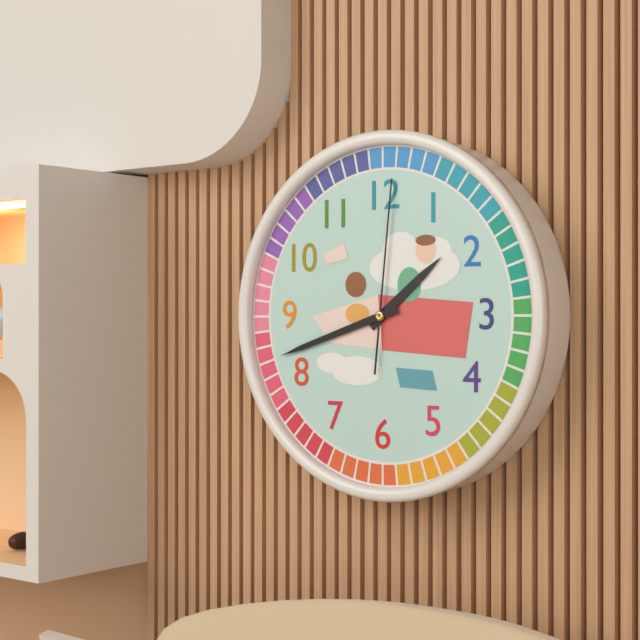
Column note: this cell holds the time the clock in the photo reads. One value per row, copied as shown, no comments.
1:42:01
